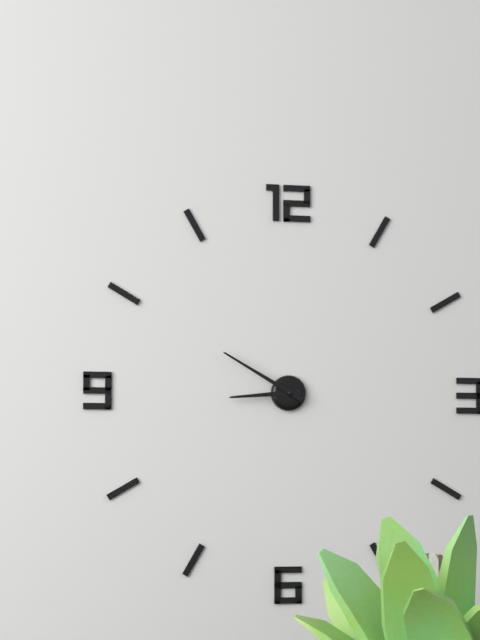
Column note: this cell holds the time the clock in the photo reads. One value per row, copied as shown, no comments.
8:50
